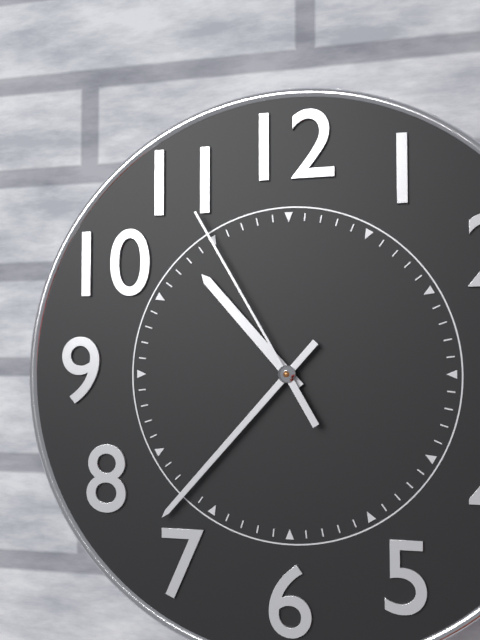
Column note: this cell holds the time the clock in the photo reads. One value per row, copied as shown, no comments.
10:37:55
